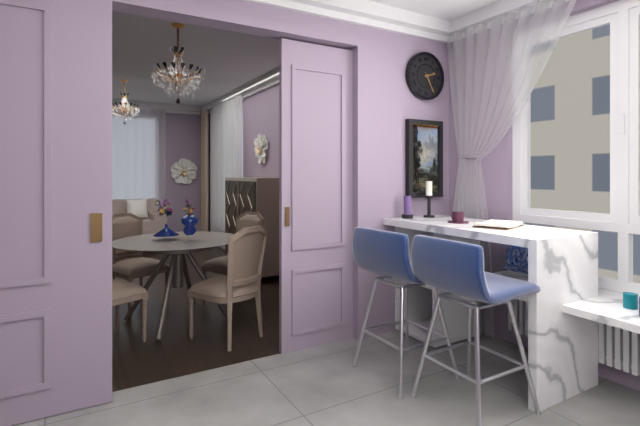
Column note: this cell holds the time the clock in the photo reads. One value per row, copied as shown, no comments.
2:25
